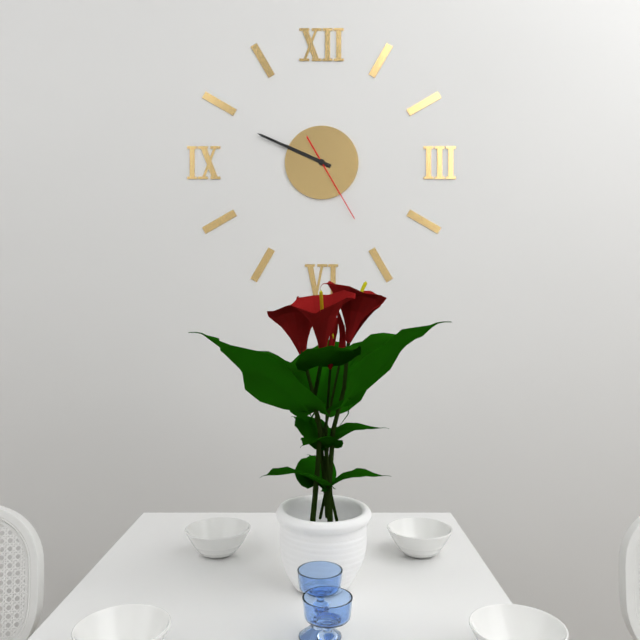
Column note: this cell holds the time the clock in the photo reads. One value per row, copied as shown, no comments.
9:49:25
